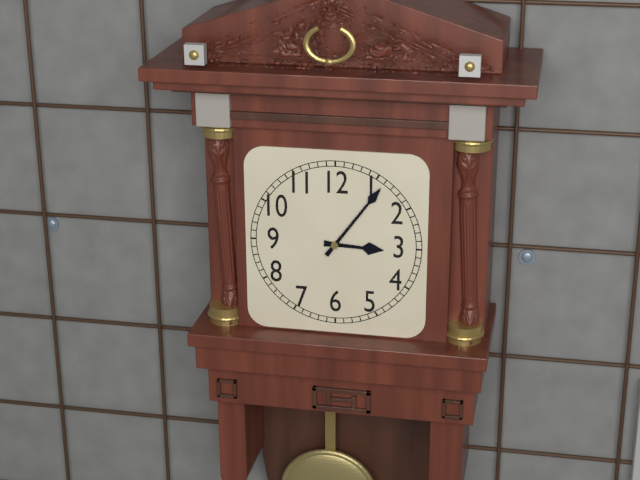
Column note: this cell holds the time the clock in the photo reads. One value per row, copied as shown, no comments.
3:06
